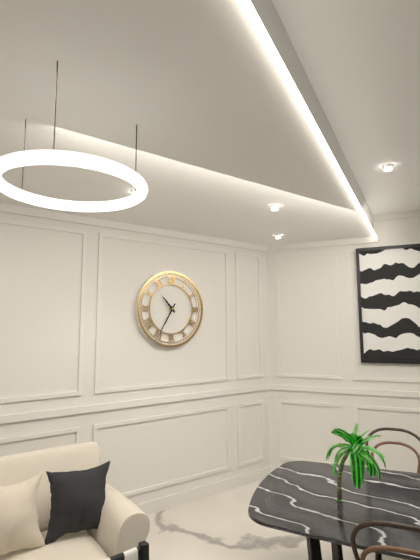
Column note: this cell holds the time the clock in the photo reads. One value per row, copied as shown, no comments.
10:35
